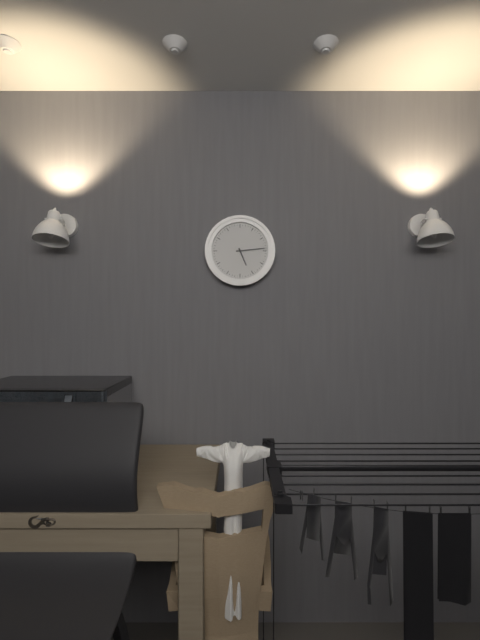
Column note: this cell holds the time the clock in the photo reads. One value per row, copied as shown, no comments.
5:14
